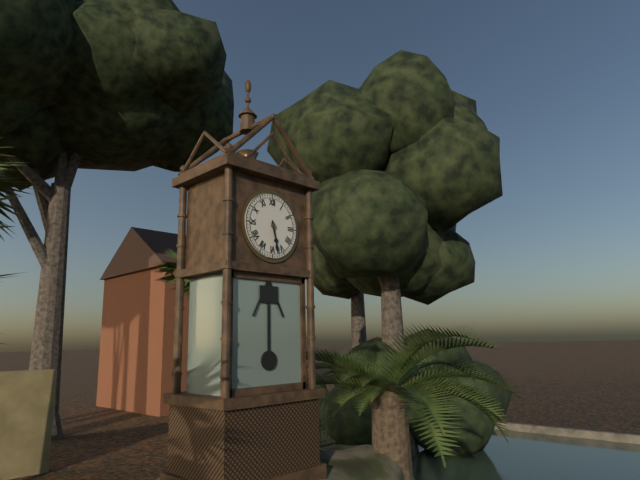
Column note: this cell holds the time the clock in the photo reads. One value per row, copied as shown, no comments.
5:28
